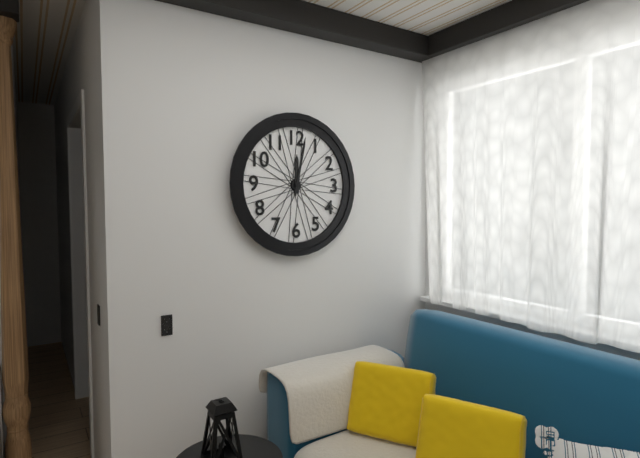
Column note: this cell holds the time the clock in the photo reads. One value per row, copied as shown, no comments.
12:02
